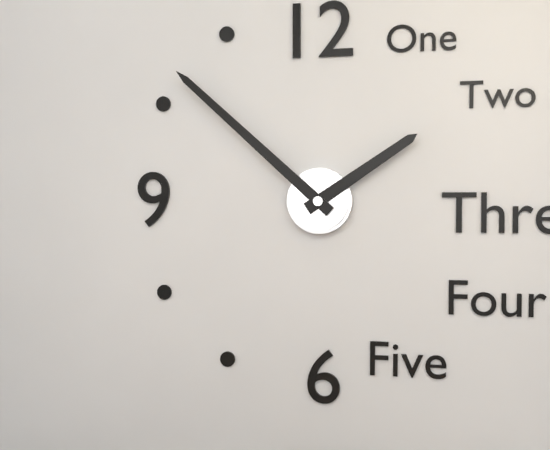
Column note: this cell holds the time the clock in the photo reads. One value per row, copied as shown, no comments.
1:52
